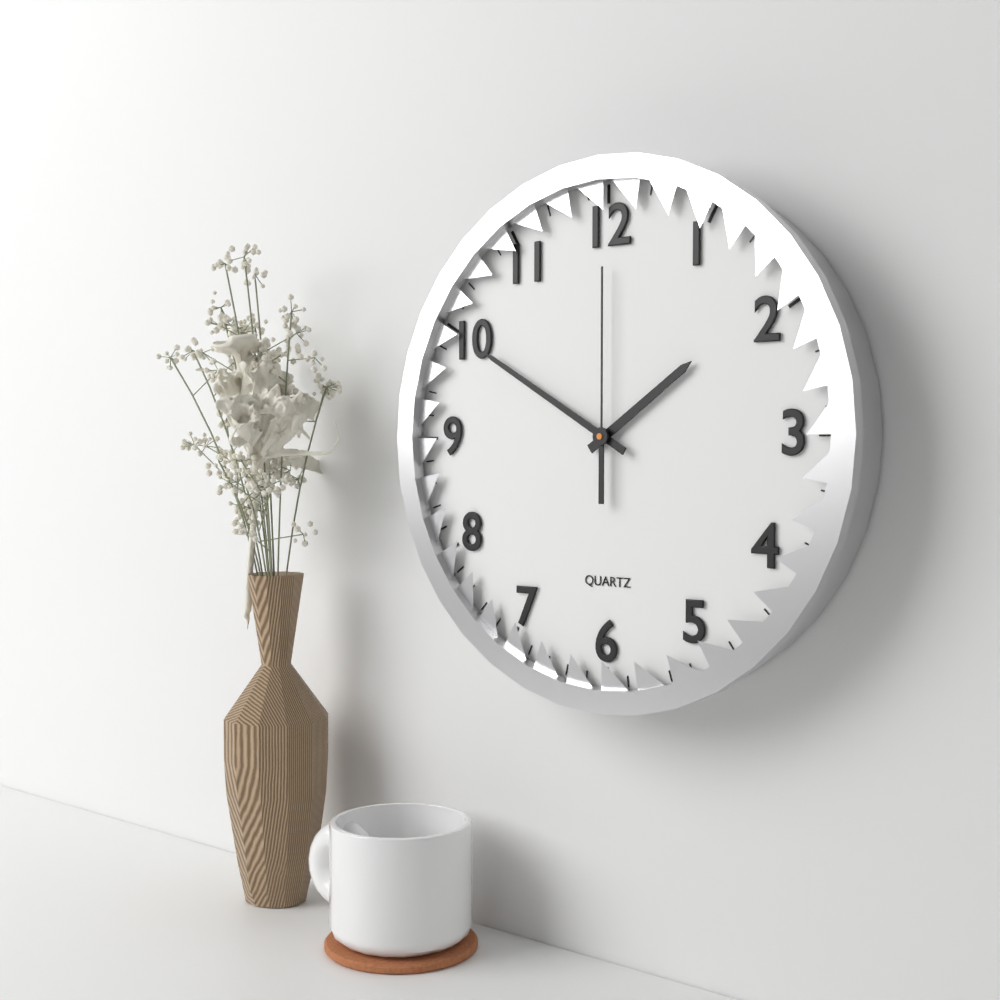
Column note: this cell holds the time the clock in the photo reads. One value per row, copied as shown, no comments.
1:50:00
